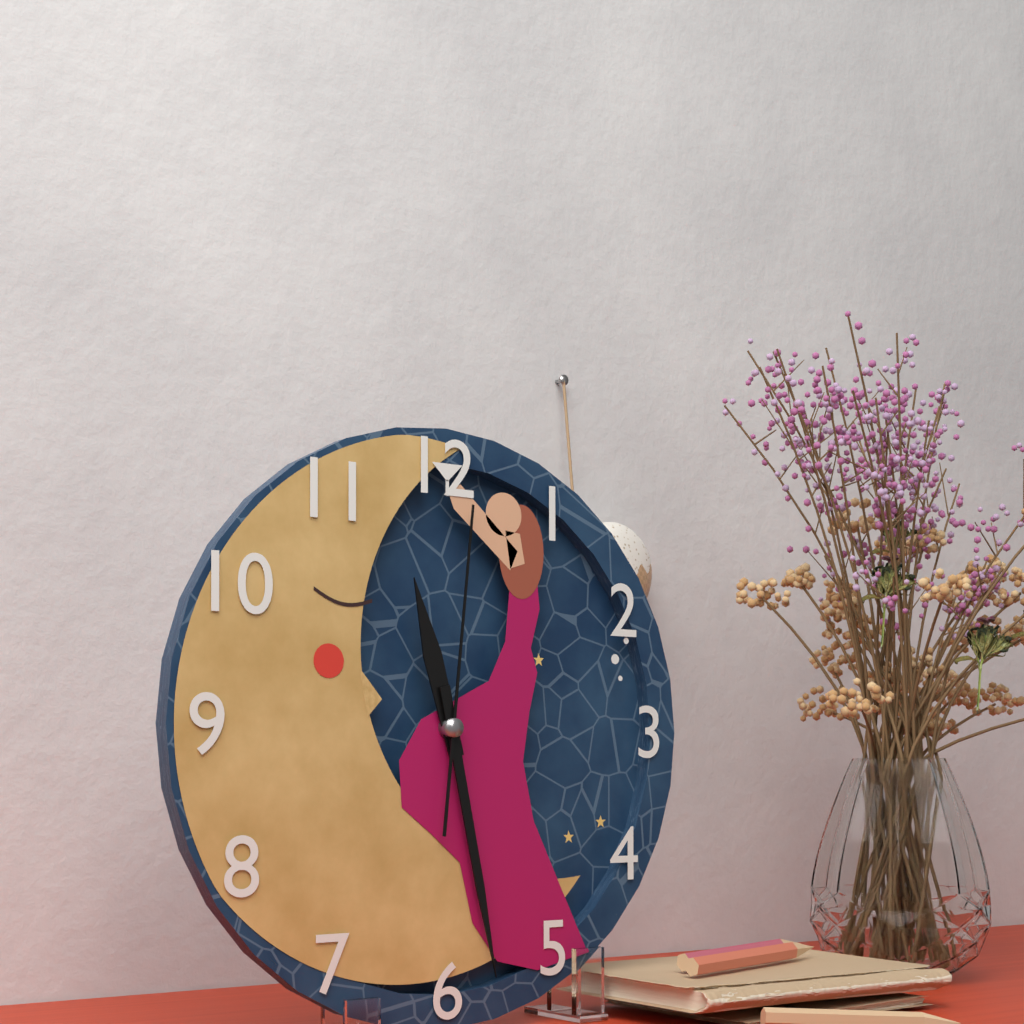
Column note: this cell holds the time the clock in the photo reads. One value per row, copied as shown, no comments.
11:28:01
